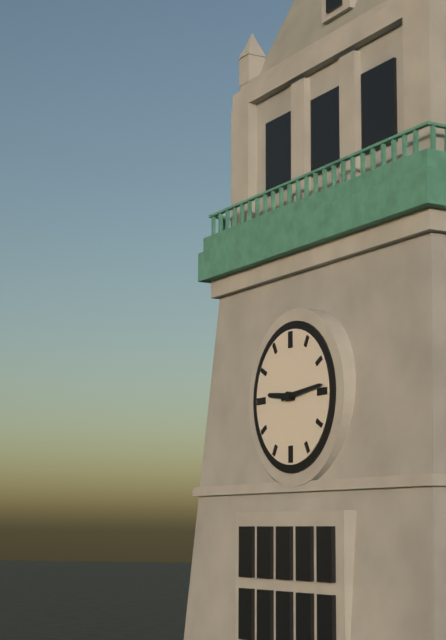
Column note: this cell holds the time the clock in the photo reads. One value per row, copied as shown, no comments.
9:14
